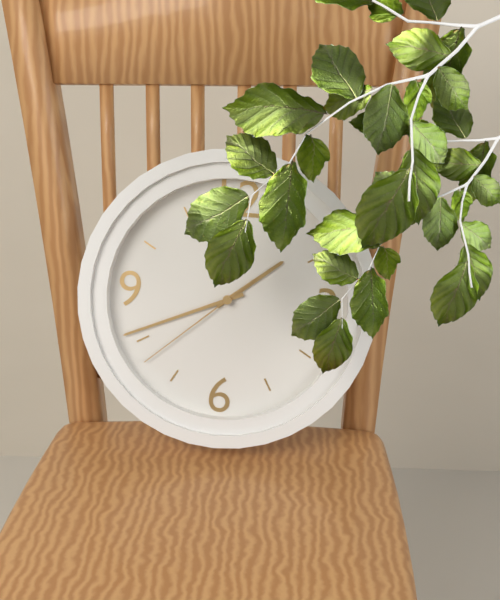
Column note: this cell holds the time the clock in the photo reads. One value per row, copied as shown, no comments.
1:41:38
